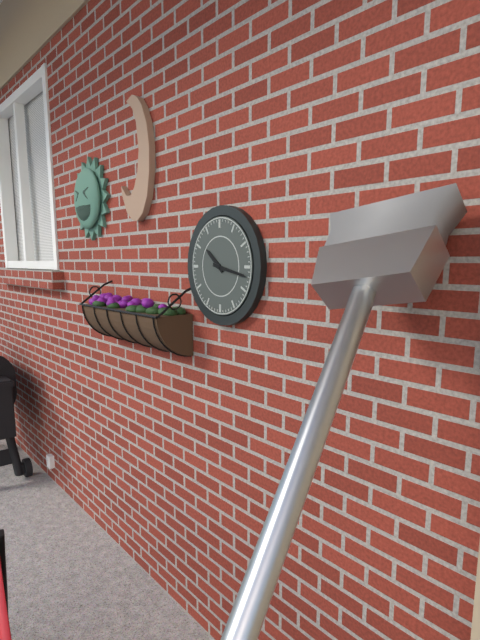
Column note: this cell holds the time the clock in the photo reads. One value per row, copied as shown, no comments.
10:17
